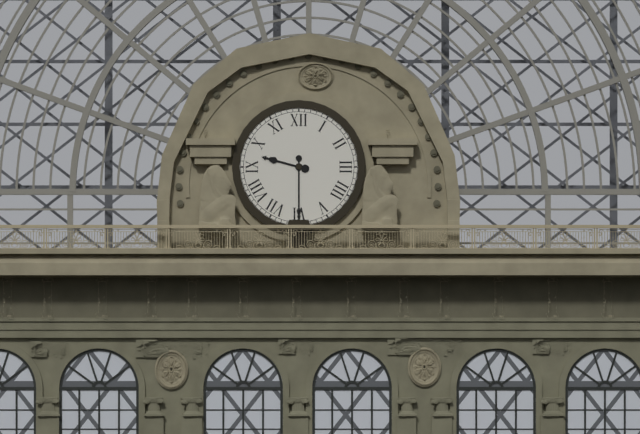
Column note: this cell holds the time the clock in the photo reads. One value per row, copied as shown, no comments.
9:30
